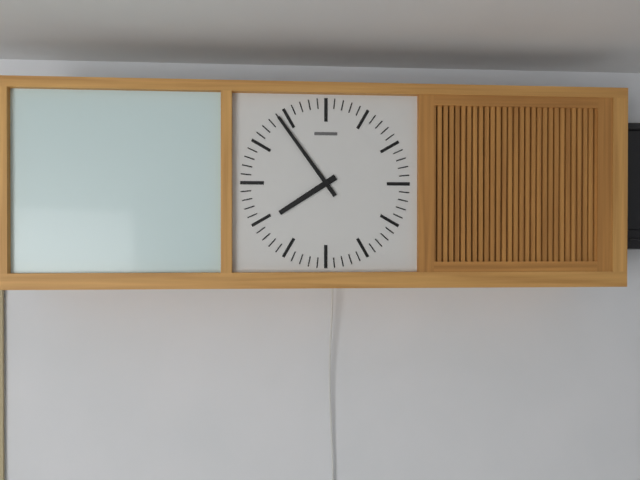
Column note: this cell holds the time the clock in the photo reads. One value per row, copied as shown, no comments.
7:54
